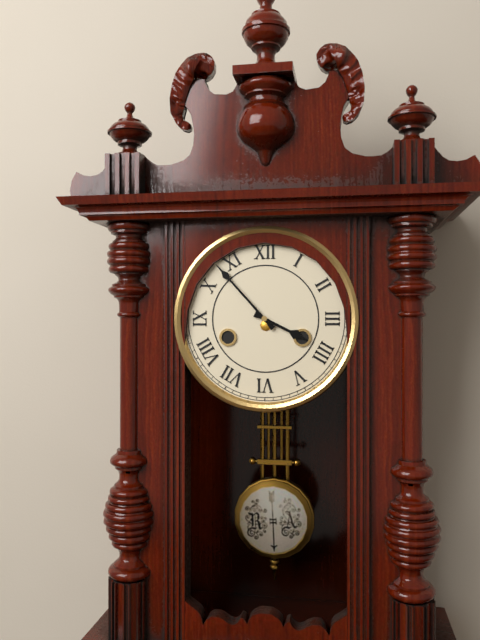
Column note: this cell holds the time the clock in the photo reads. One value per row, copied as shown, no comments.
3:53
